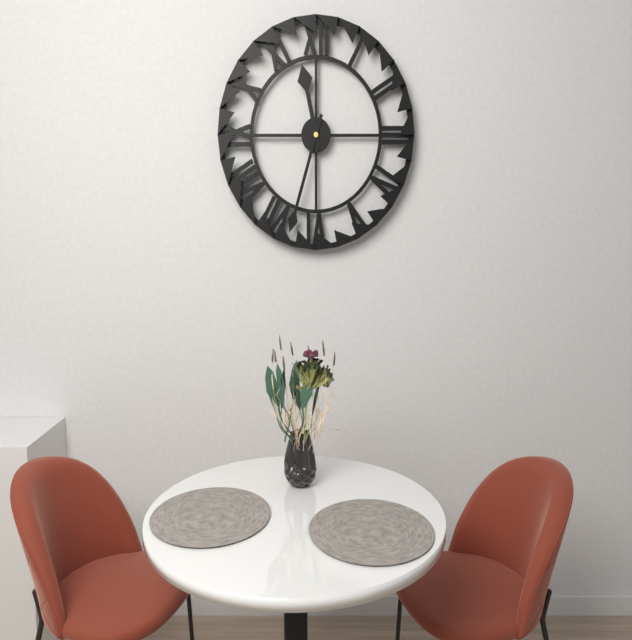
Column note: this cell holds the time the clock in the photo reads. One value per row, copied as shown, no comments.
11:33
